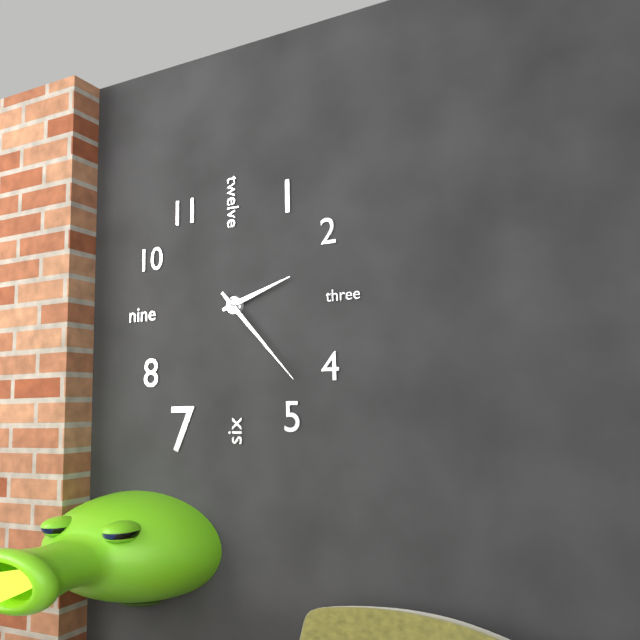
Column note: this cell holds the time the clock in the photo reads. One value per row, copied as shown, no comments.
2:23
